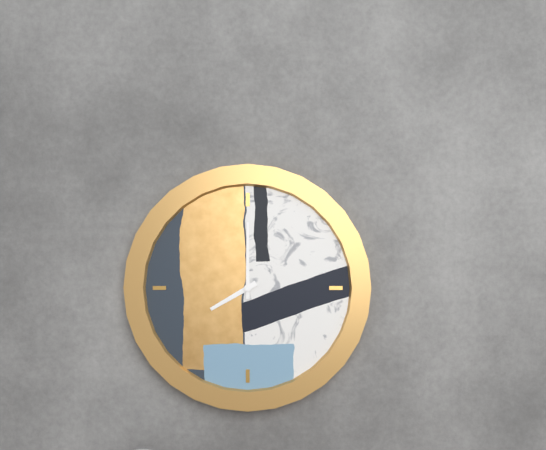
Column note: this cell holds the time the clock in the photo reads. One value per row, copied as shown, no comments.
8:00
